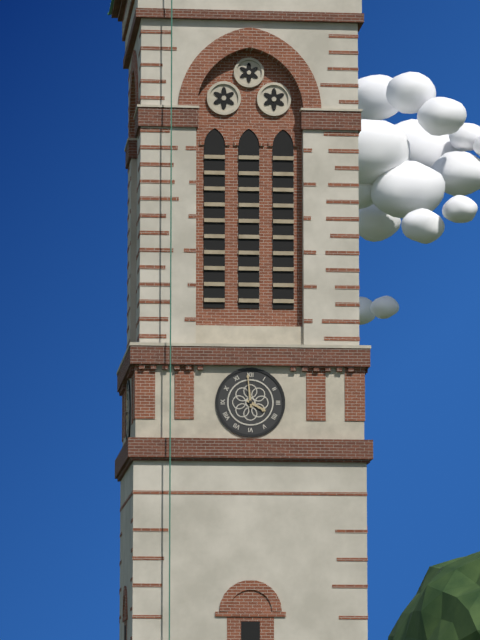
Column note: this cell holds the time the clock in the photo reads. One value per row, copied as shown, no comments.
3:59
